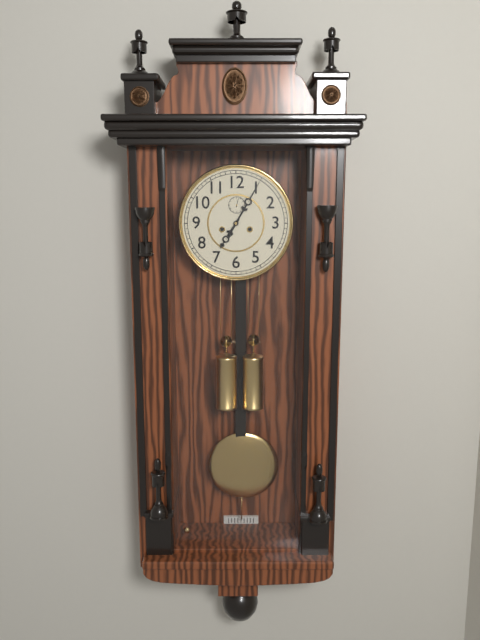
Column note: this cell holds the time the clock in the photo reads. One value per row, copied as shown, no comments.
7:05
